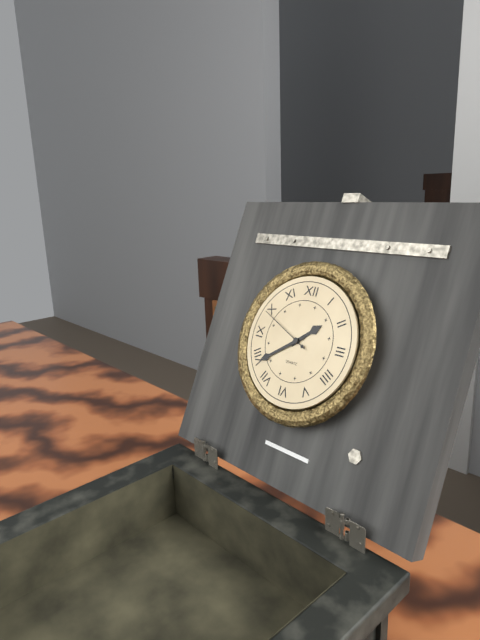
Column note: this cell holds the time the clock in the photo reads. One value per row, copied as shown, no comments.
1:39:49
